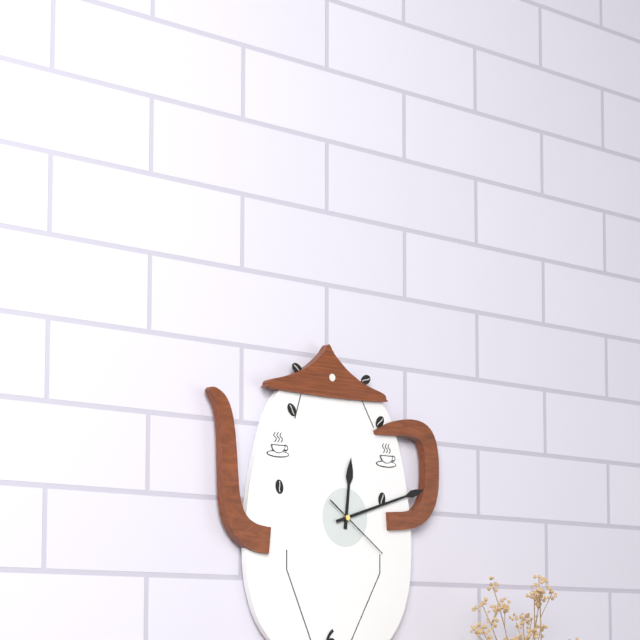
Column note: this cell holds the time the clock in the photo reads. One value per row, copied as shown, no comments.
12:12:21
